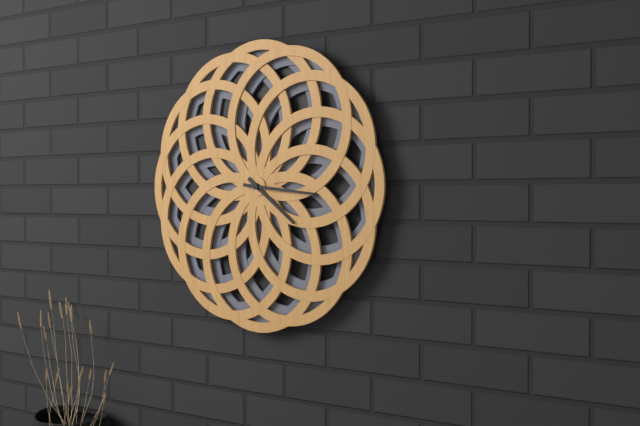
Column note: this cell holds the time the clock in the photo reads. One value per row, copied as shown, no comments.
4:16
